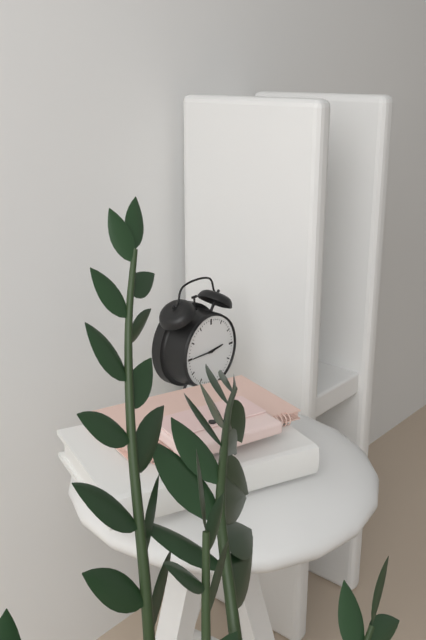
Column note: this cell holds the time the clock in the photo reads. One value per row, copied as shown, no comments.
2:45
